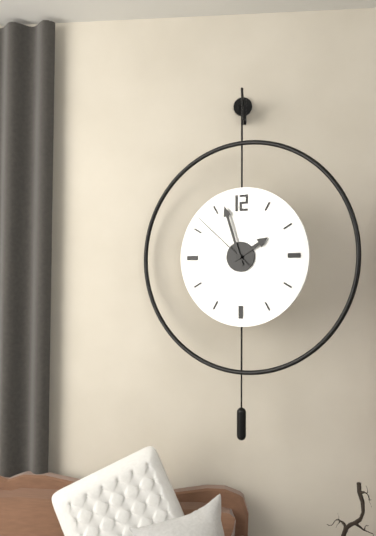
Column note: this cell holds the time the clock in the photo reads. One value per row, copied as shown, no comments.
1:57:52
